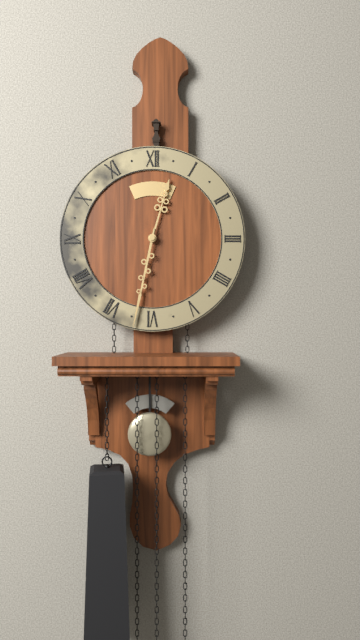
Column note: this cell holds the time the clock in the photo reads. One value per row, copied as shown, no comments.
12:32
